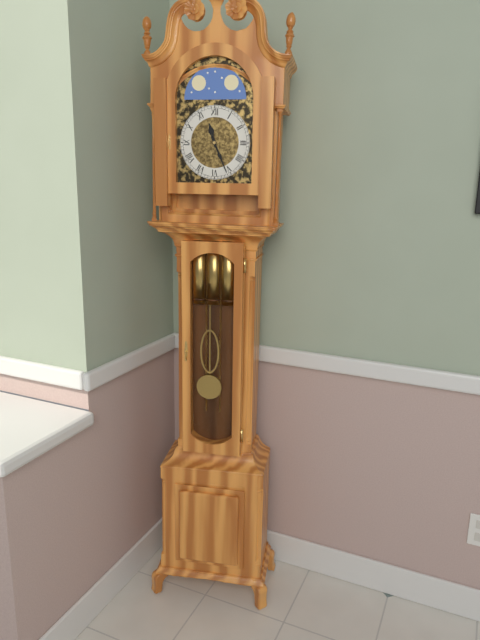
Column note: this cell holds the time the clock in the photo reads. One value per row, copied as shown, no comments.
11:26
